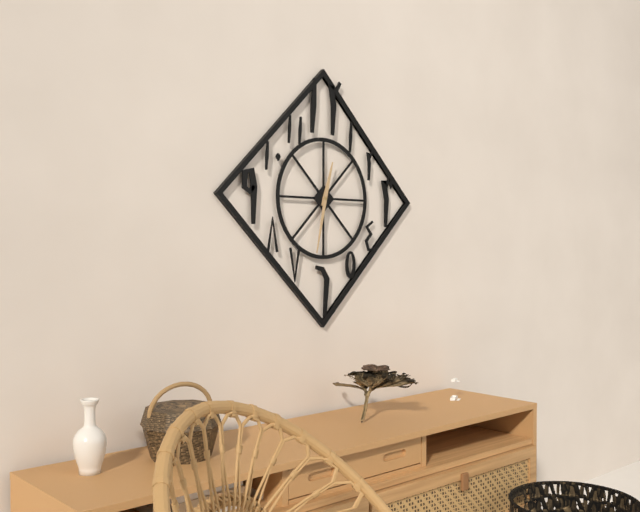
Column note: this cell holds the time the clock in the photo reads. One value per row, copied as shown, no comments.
12:32
